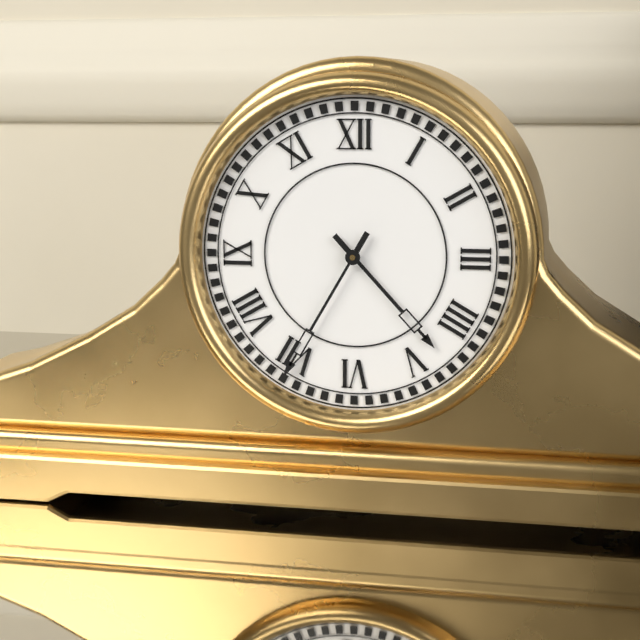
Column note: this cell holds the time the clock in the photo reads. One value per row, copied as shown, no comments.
4:35
